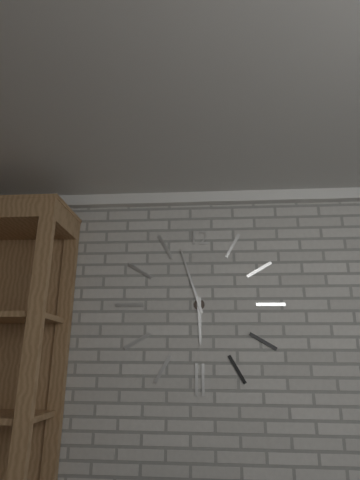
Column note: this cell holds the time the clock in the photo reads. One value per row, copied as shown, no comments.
5:57
